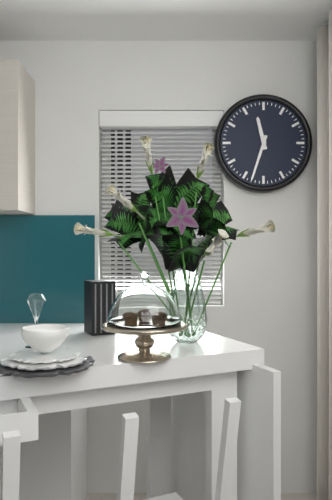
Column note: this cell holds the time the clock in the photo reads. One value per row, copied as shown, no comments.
11:33
